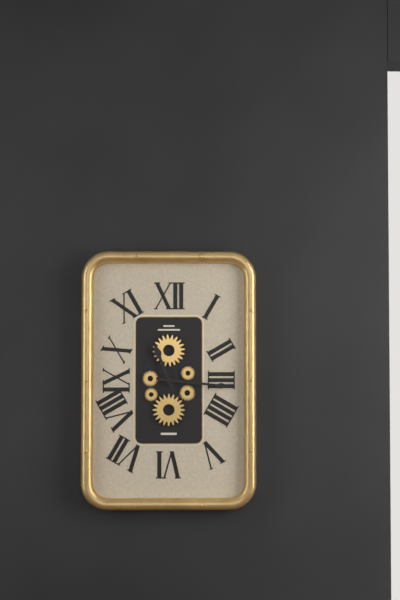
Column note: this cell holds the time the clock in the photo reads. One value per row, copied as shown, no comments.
11:16
